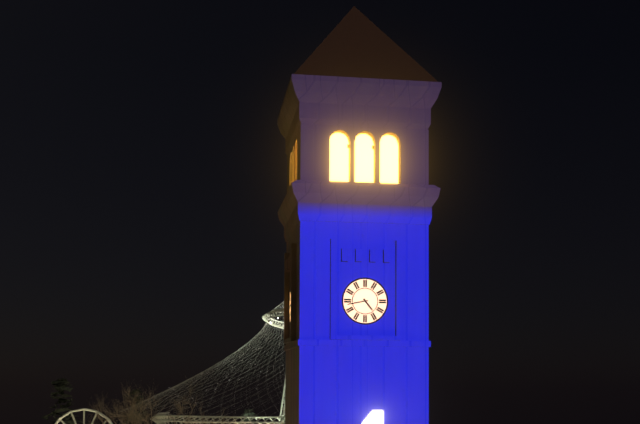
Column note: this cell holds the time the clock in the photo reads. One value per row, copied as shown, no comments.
4:43
